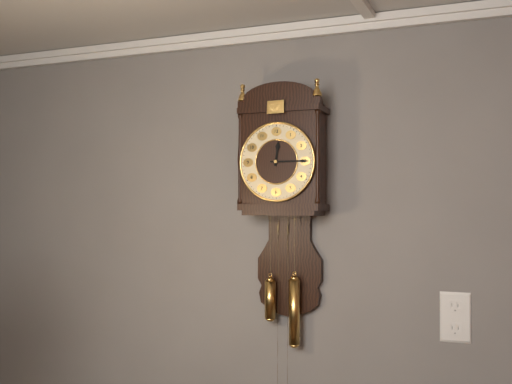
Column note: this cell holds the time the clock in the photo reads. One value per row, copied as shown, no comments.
12:15
